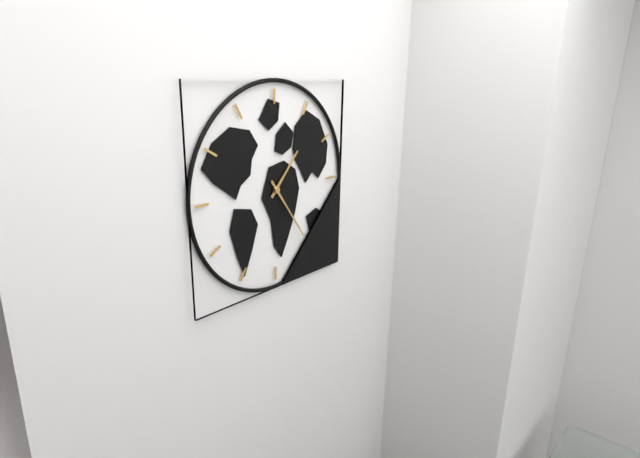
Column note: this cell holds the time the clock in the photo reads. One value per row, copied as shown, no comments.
1:24
